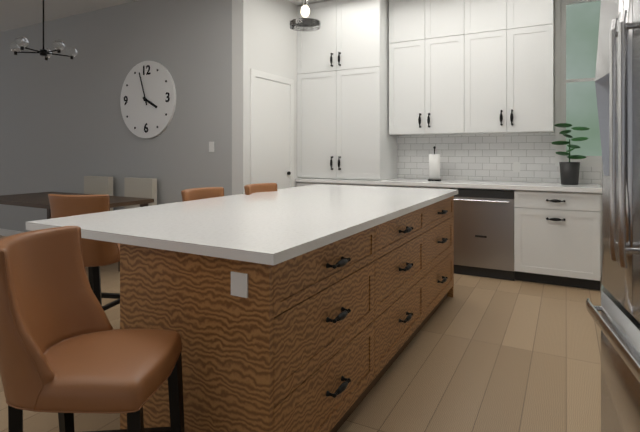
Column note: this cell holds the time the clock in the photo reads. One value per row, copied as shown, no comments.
3:57
